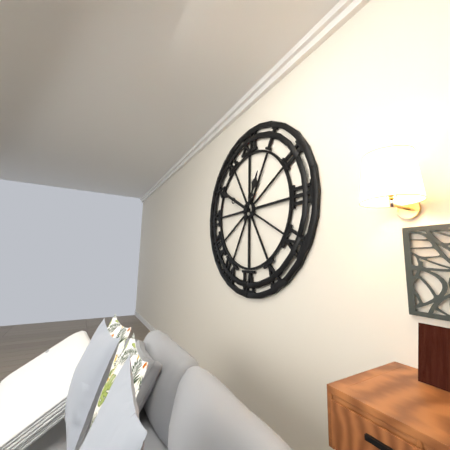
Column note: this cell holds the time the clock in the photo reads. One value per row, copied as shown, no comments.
12:50
